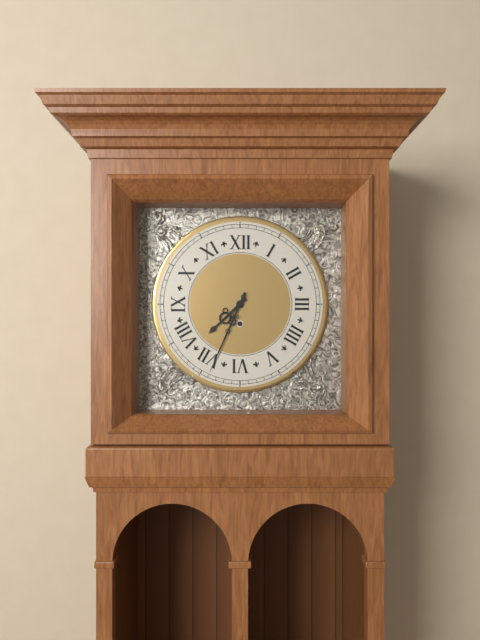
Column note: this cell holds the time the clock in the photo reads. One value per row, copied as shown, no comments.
7:34
